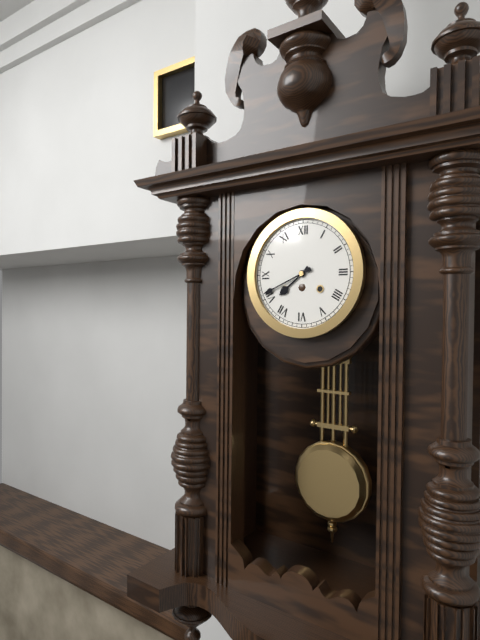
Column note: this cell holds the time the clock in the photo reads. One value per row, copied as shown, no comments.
7:41
